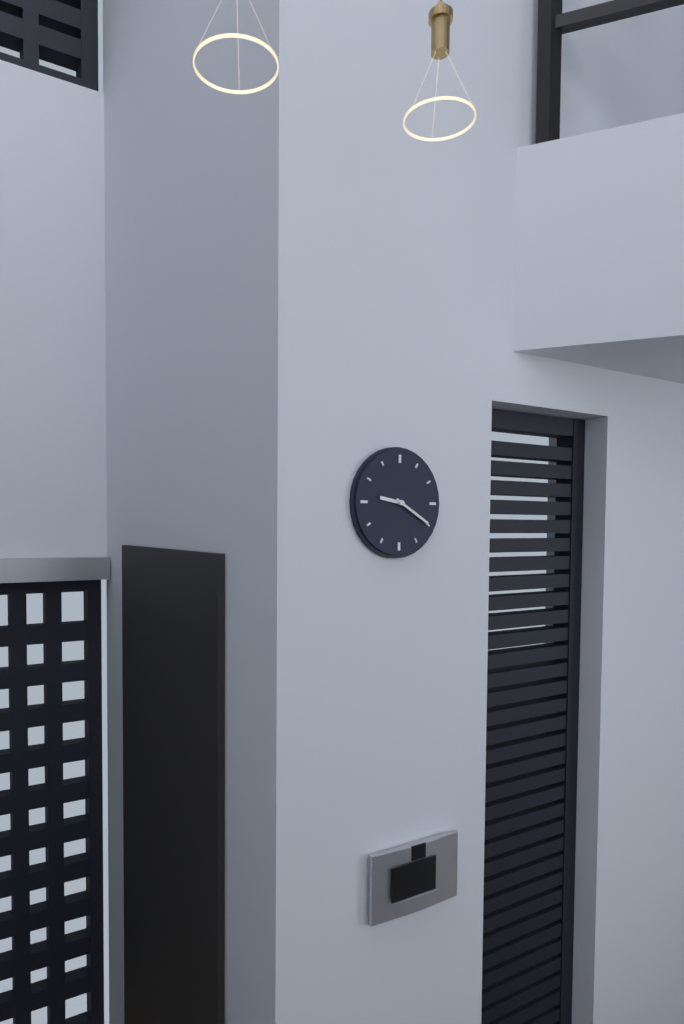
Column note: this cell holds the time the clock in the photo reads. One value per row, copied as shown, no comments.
9:20
